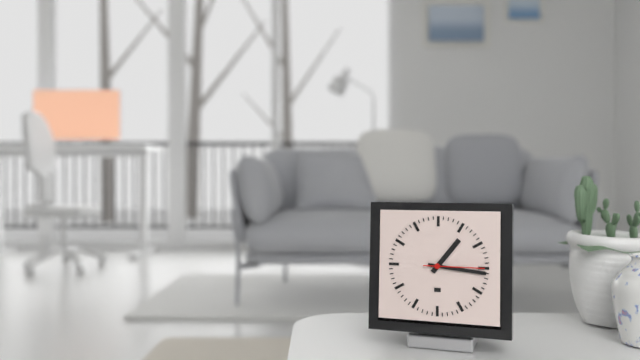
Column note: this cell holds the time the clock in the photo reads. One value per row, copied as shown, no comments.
1:16:15
